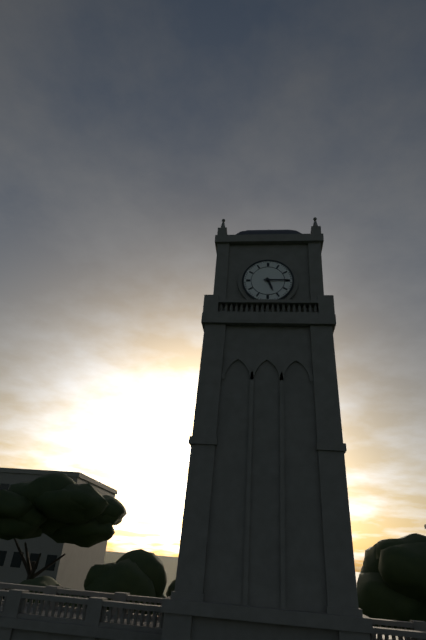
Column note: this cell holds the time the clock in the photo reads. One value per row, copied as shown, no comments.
5:15
